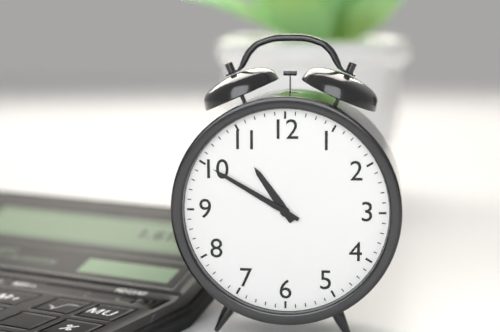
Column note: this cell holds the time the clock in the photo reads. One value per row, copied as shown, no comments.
10:50
